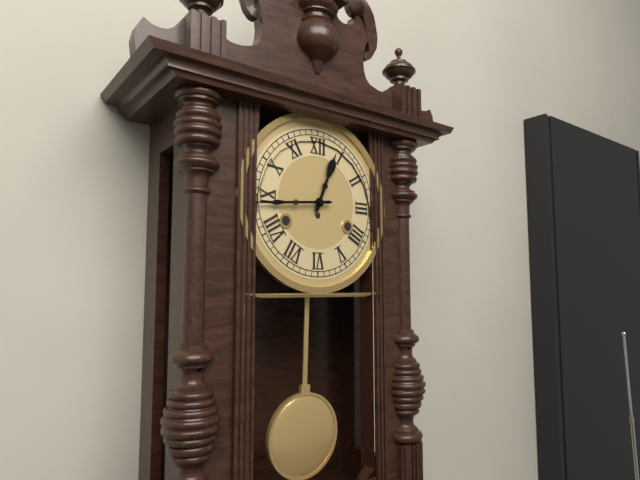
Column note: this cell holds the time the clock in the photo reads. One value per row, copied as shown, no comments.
12:44
